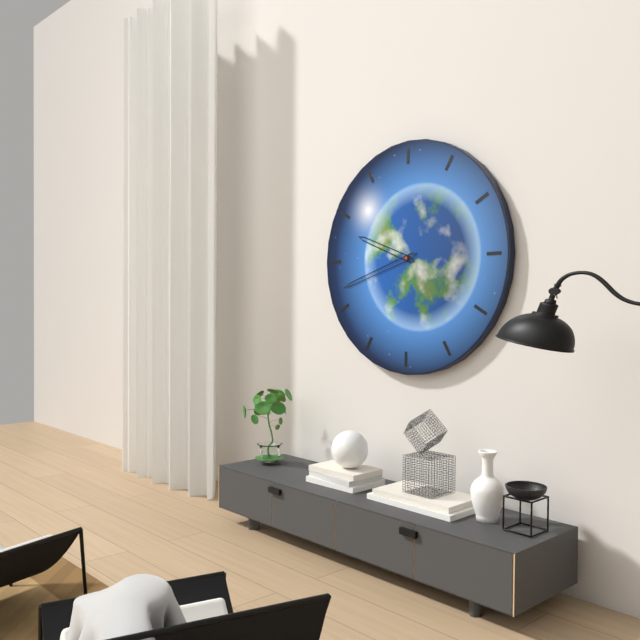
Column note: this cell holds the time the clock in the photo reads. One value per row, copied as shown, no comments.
9:42
